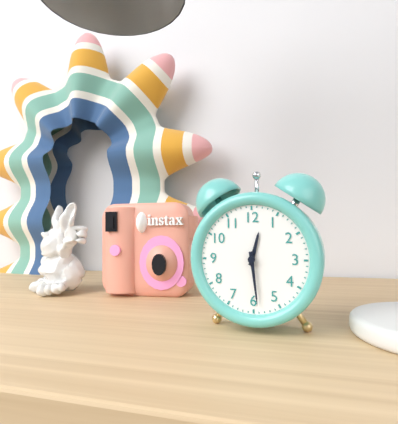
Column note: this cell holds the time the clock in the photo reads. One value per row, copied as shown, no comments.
12:29
